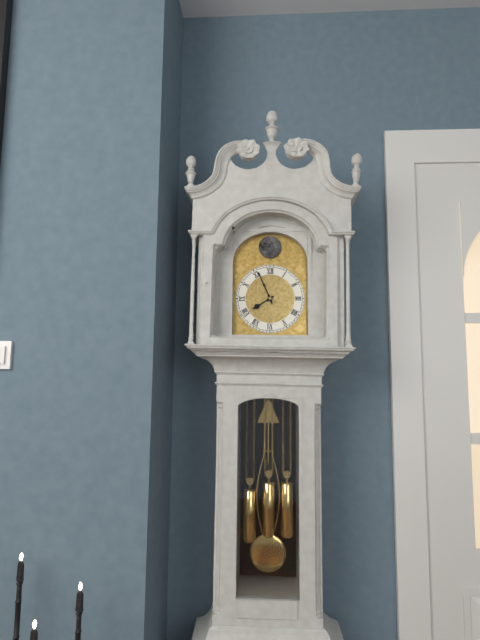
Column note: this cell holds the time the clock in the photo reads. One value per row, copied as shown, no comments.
7:56
